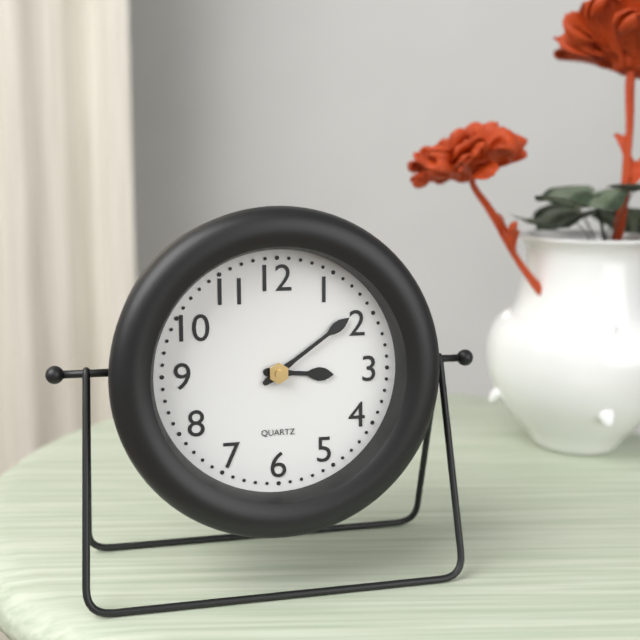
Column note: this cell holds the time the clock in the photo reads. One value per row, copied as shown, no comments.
3:09
